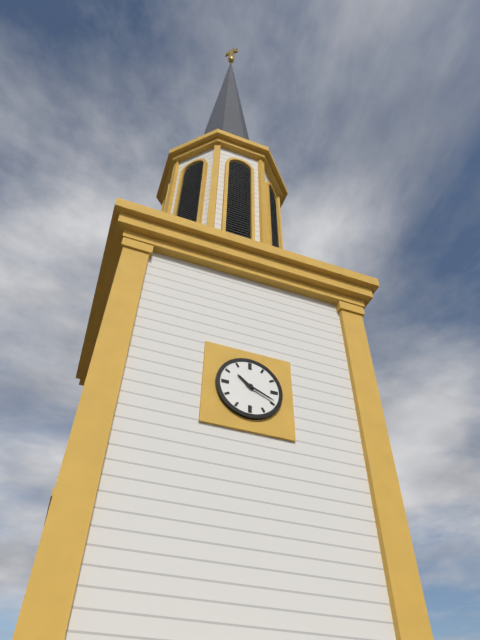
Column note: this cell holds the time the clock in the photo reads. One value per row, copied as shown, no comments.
10:19
